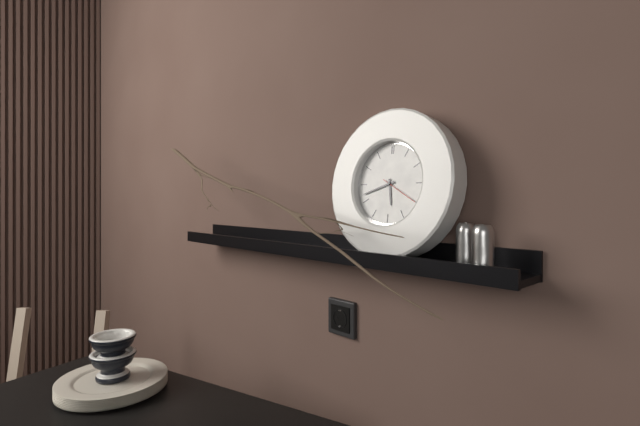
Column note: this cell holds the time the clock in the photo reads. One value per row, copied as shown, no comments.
5:42
